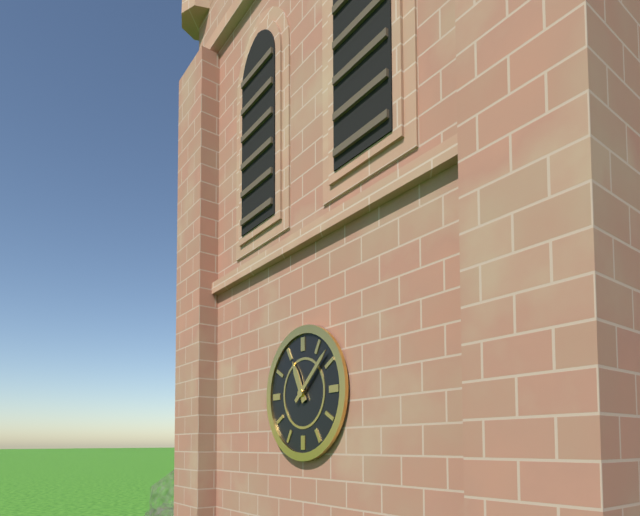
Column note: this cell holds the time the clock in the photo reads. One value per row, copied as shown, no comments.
11:08
